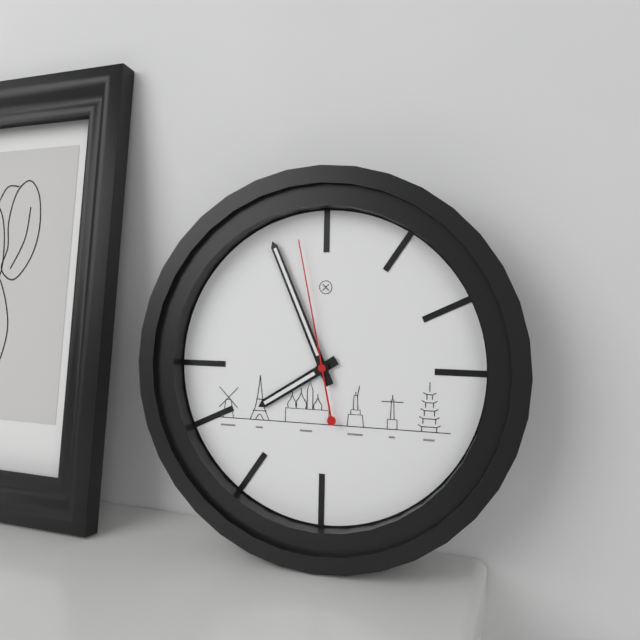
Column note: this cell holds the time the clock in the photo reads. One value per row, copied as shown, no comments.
7:56:58
